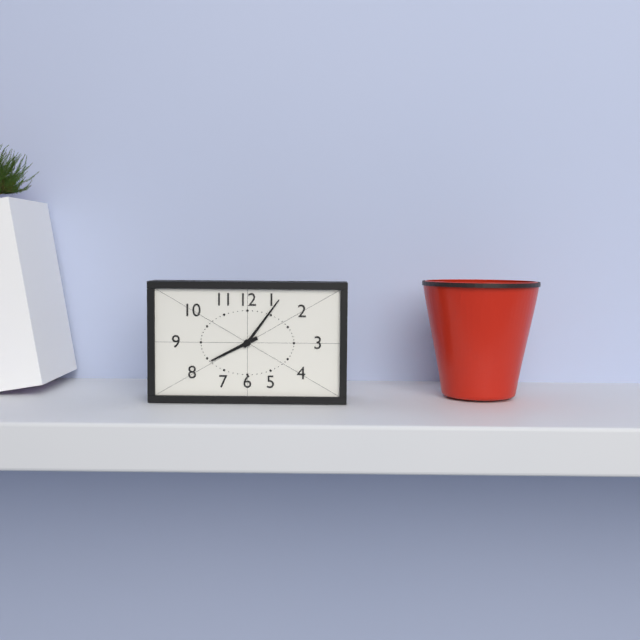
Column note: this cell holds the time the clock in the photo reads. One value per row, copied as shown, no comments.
8:06
